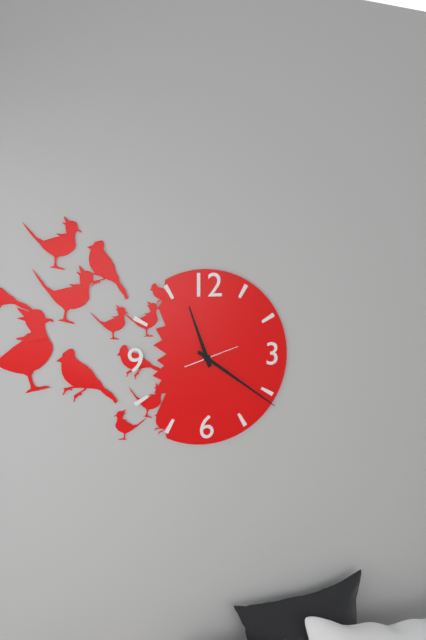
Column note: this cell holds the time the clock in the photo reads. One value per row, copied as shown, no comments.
11:21
